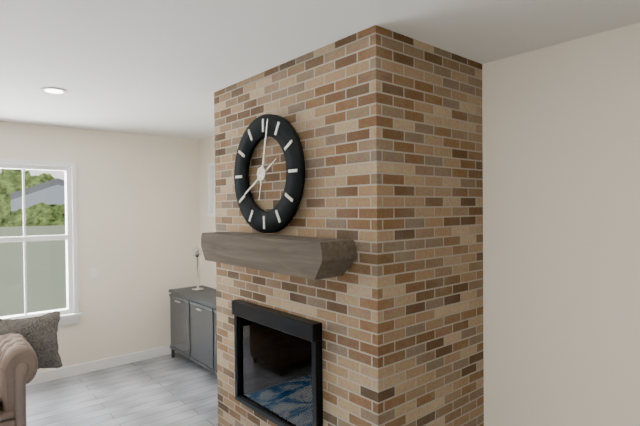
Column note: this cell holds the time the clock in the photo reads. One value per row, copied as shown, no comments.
8:02
